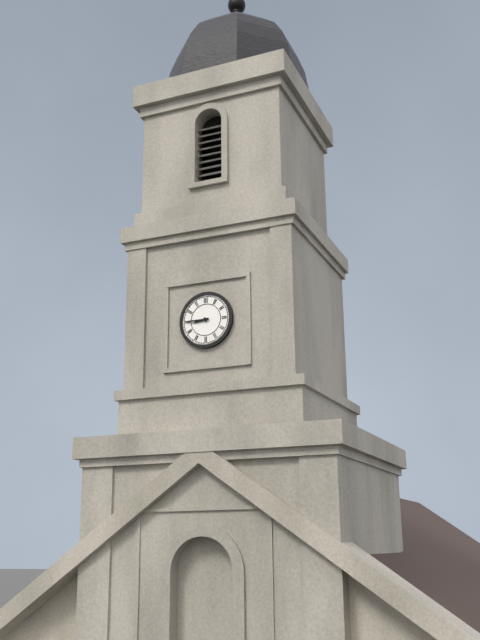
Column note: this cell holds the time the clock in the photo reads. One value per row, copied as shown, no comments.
8:45
